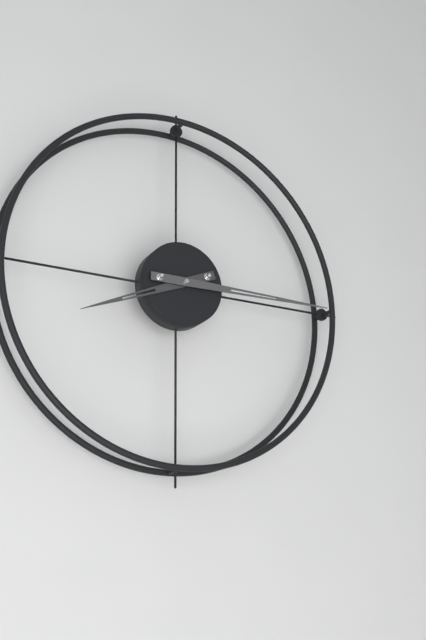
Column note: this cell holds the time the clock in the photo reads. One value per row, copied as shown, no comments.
8:15
